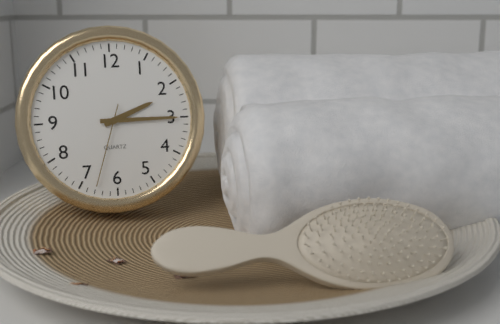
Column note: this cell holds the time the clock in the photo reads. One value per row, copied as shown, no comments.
2:15:33
